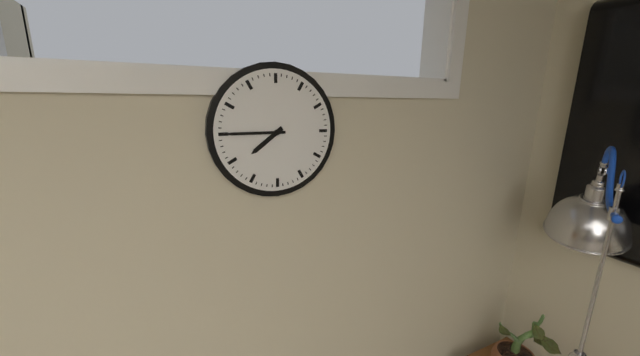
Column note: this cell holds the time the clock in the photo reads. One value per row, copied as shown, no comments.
7:45
